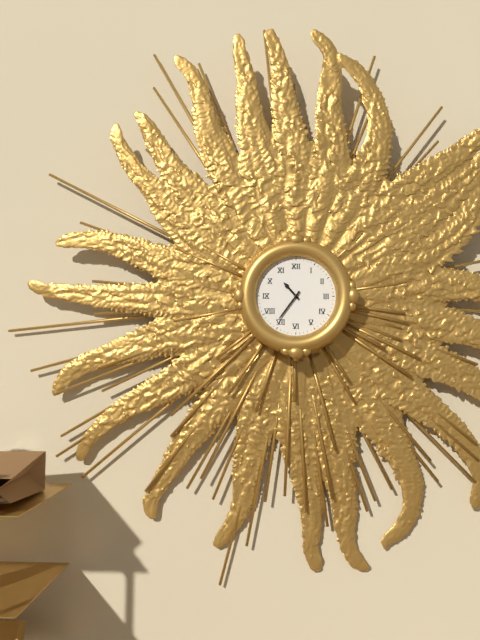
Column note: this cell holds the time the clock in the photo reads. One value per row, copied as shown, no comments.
10:36
